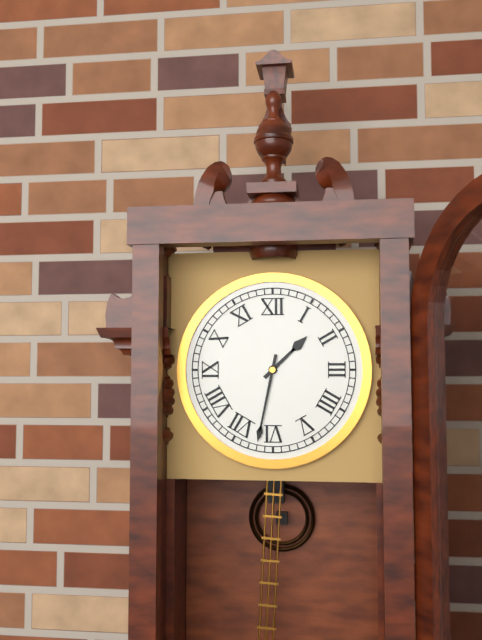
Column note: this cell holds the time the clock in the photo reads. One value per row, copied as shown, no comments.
1:32
